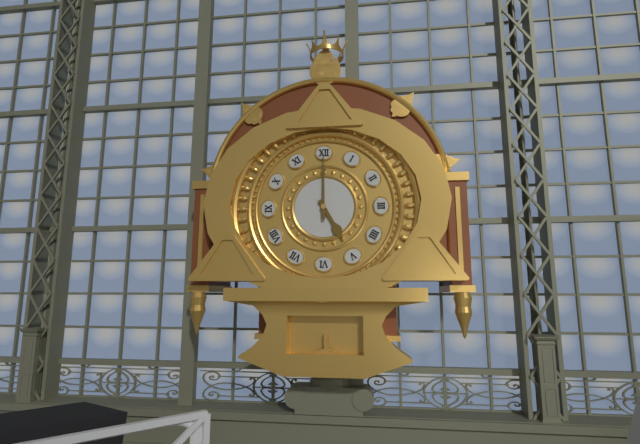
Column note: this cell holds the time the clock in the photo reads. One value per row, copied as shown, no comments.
5:00
